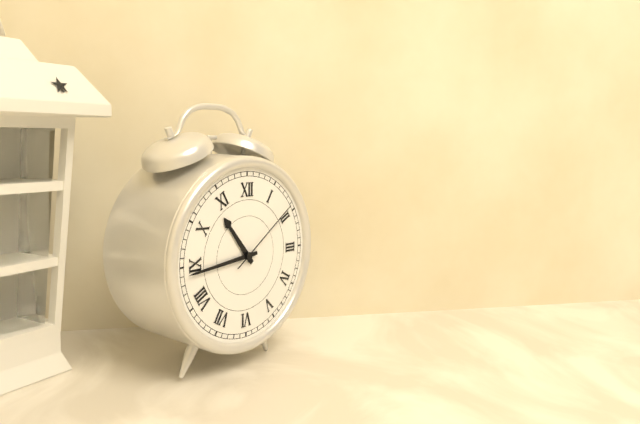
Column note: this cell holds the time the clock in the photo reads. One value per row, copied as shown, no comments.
10:44:09
